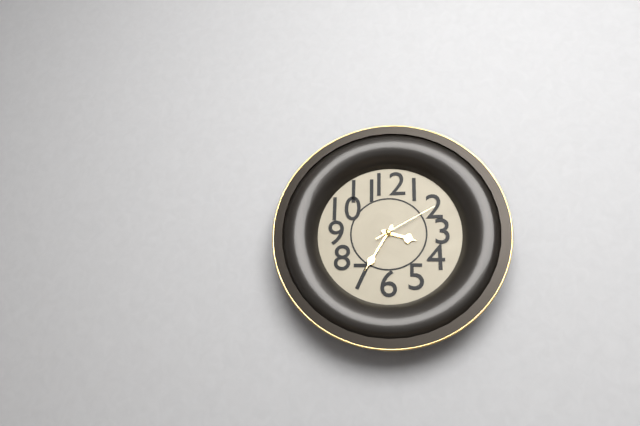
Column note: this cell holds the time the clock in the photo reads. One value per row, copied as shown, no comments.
3:35:10
